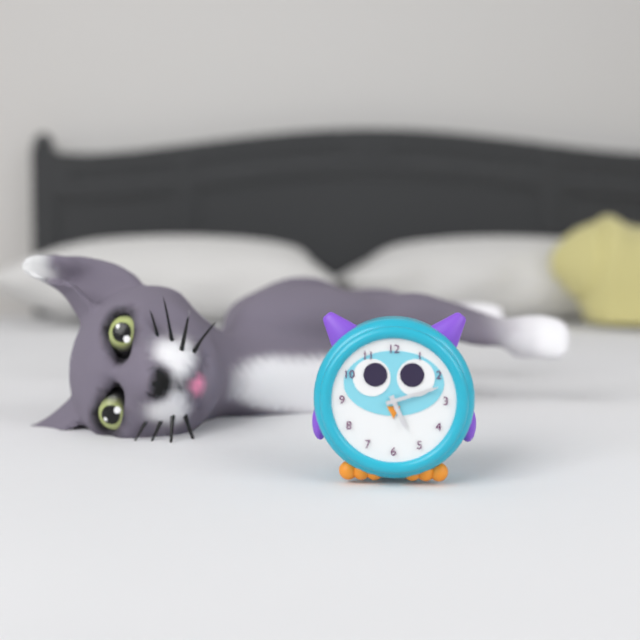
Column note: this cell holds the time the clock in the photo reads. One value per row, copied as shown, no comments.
5:12
